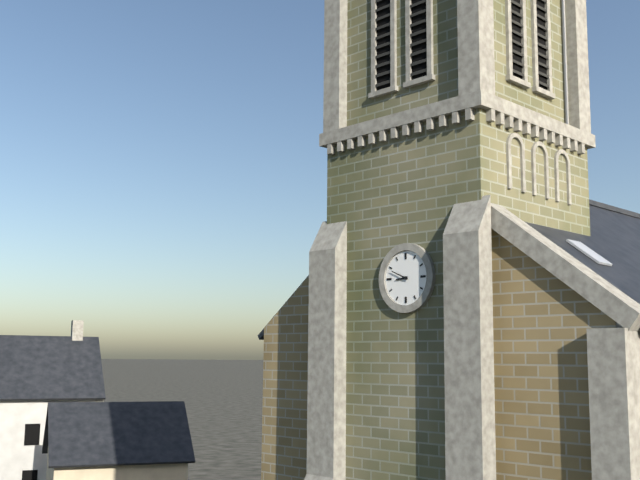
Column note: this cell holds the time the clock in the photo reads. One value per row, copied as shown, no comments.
8:49
